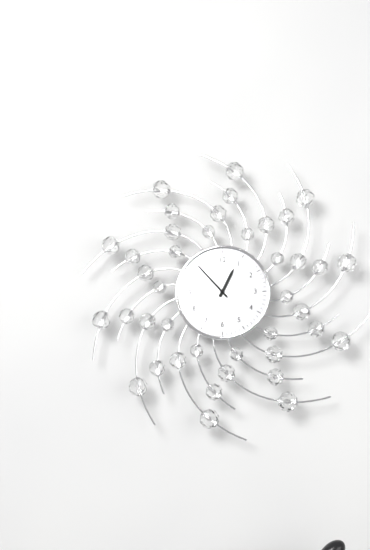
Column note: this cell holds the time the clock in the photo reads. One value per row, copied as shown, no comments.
12:53
